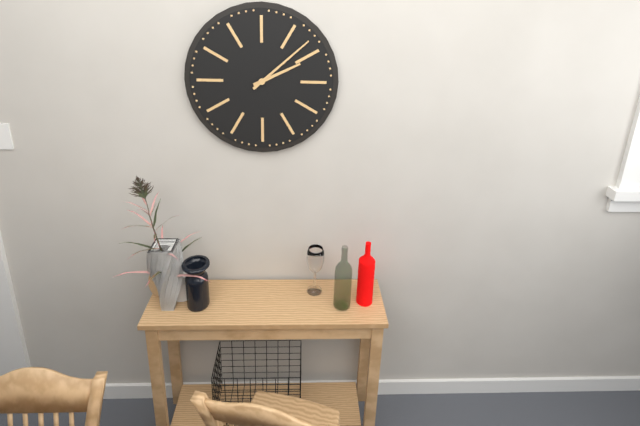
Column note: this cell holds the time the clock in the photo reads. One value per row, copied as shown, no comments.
2:08
